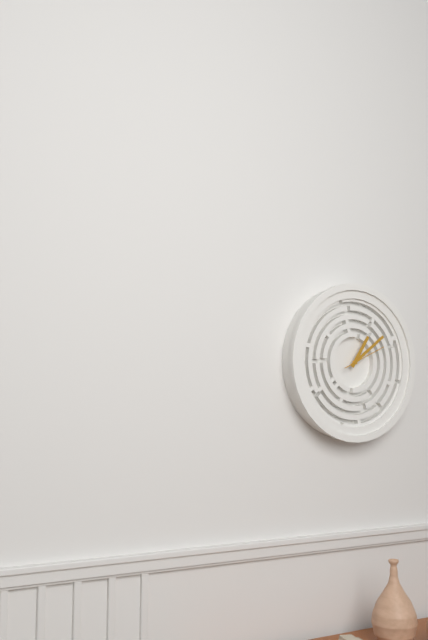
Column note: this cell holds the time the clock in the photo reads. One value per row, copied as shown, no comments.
1:09:11
